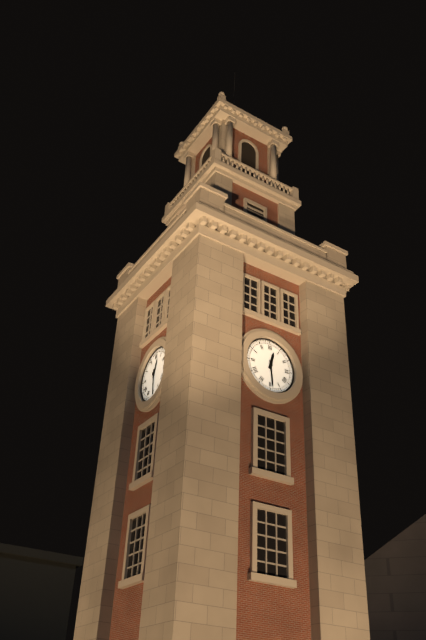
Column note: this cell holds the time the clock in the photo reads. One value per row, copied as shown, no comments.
12:29
